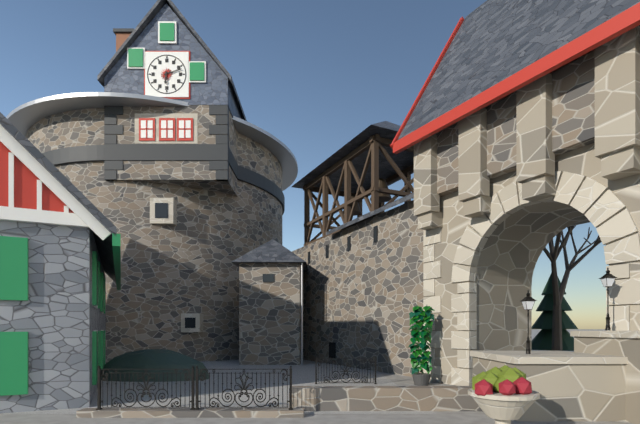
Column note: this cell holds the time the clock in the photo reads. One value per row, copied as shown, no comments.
6:12
